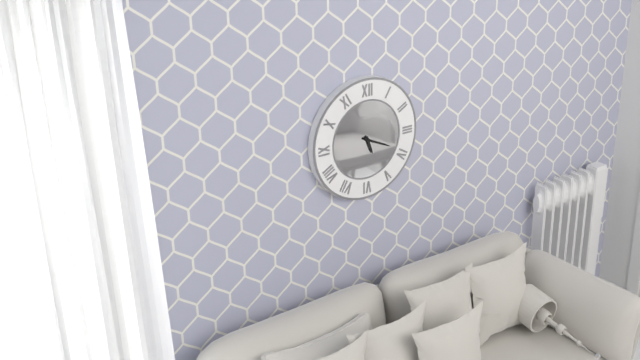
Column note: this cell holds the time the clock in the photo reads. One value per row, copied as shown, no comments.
5:19
